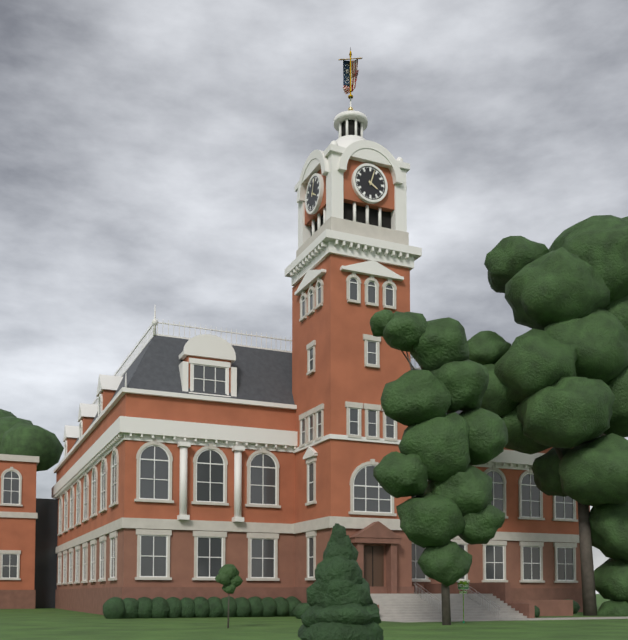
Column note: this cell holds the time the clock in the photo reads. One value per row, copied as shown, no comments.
4:03
